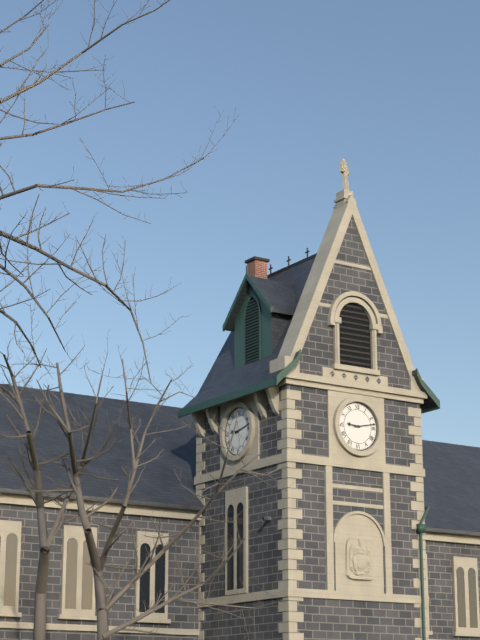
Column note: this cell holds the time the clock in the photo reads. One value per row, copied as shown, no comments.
9:13
